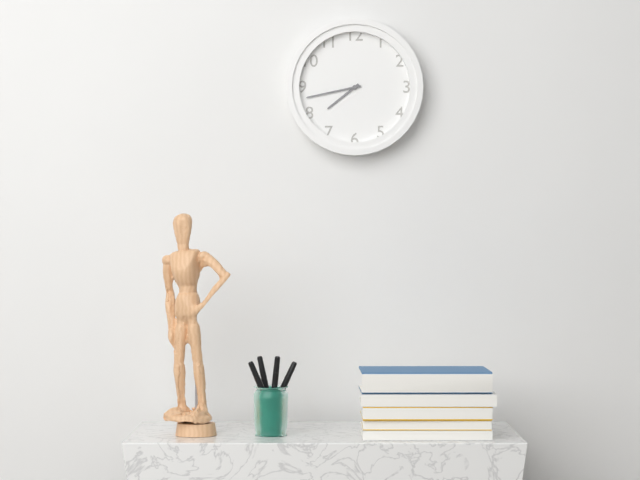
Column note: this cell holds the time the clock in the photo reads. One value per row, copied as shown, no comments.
7:43
